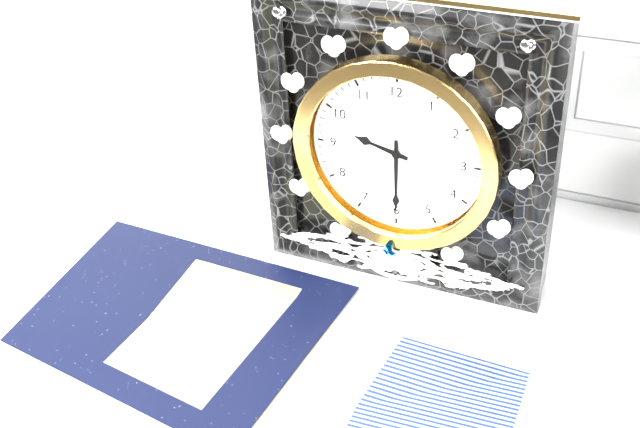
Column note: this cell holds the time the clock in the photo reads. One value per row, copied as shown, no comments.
9:30
